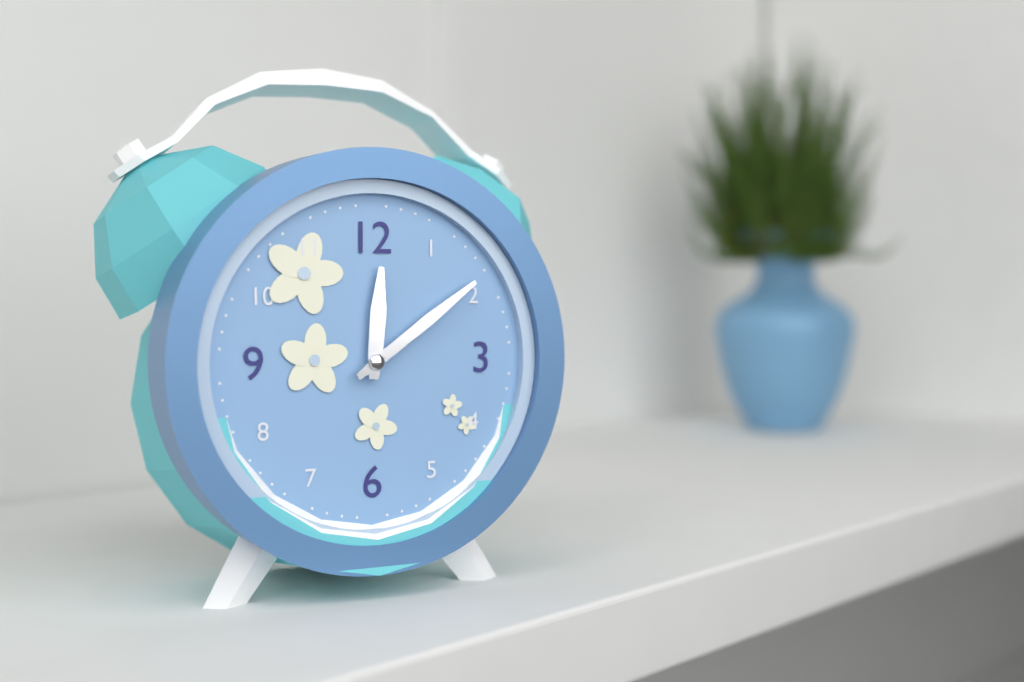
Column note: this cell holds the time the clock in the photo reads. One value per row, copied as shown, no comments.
12:09
